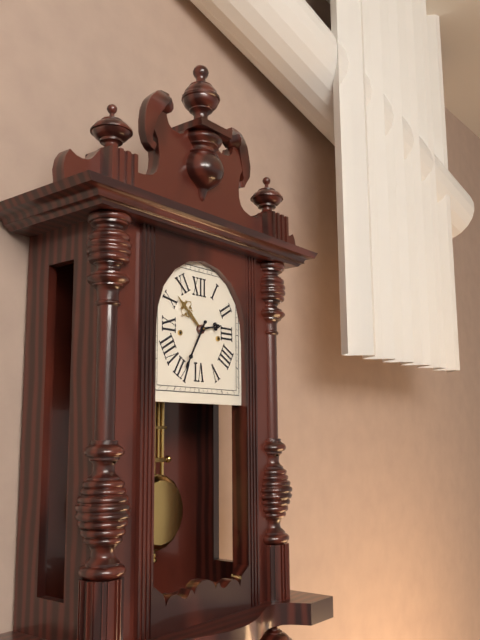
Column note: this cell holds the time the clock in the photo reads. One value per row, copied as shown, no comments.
2:35
